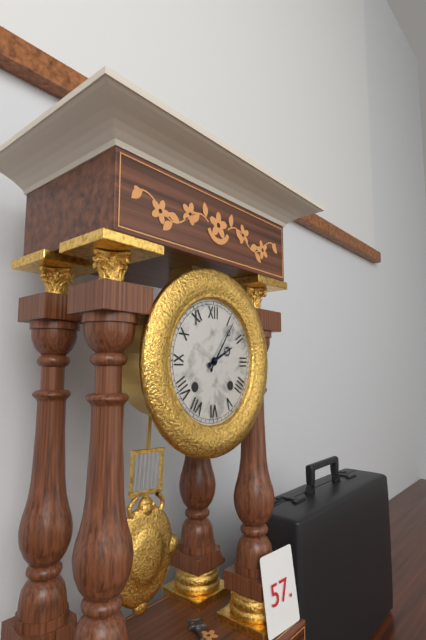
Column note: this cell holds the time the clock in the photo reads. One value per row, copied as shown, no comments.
2:06
